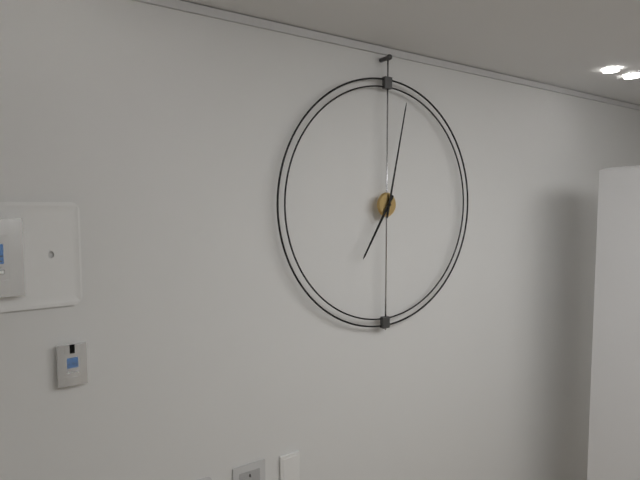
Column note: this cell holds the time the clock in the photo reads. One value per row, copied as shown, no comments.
7:02
